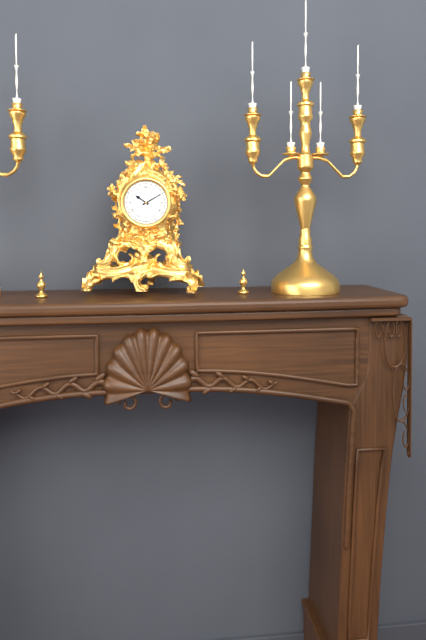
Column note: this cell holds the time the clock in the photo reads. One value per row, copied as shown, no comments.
10:10
